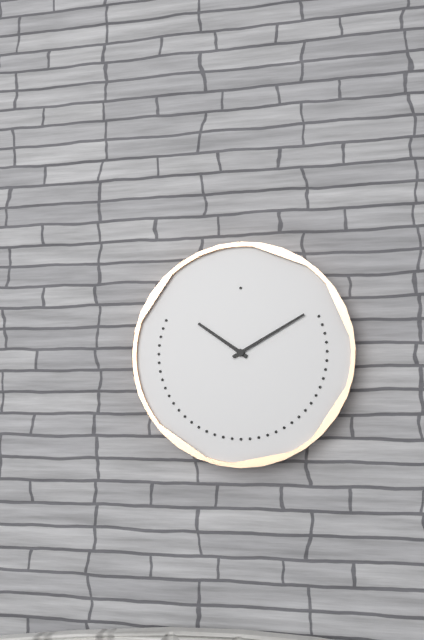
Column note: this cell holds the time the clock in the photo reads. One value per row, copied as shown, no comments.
10:10
